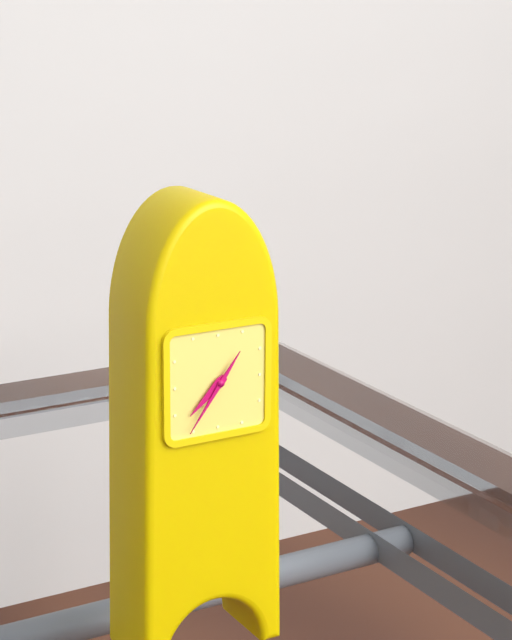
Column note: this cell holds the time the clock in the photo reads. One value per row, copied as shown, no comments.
7:36
